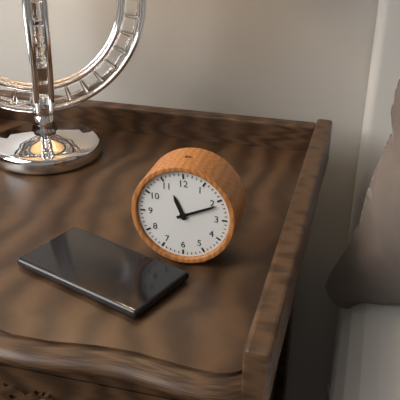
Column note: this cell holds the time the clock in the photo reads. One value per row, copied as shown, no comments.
11:11
